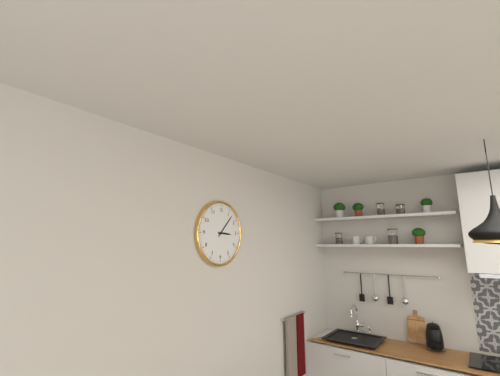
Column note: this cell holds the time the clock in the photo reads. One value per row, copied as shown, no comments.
3:07
